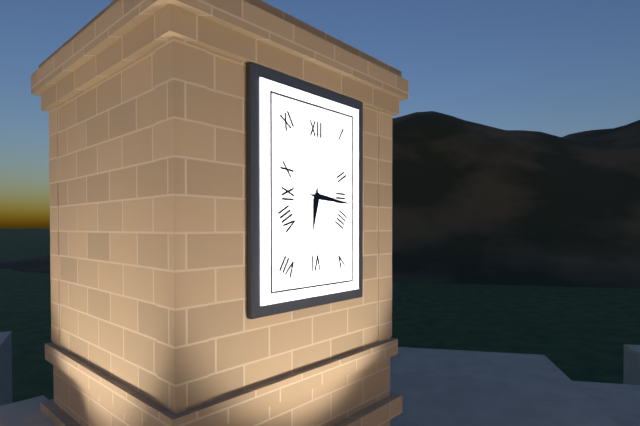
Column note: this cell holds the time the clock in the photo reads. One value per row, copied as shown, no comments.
6:16
